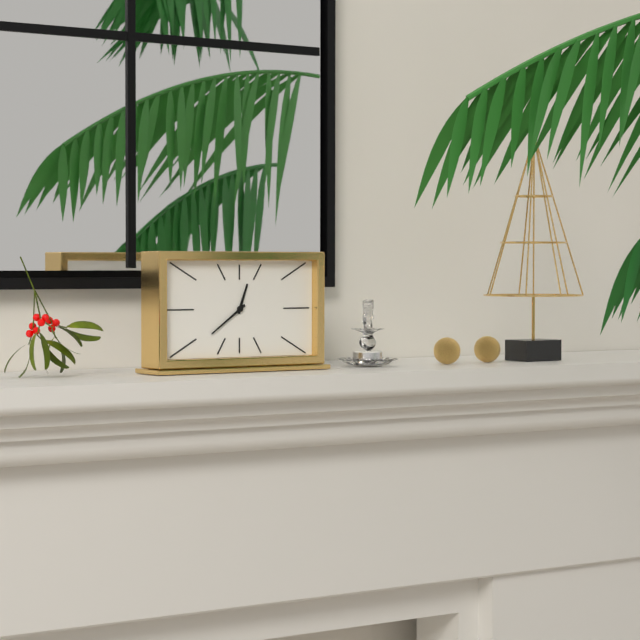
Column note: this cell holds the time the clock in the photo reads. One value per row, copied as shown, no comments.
12:39
